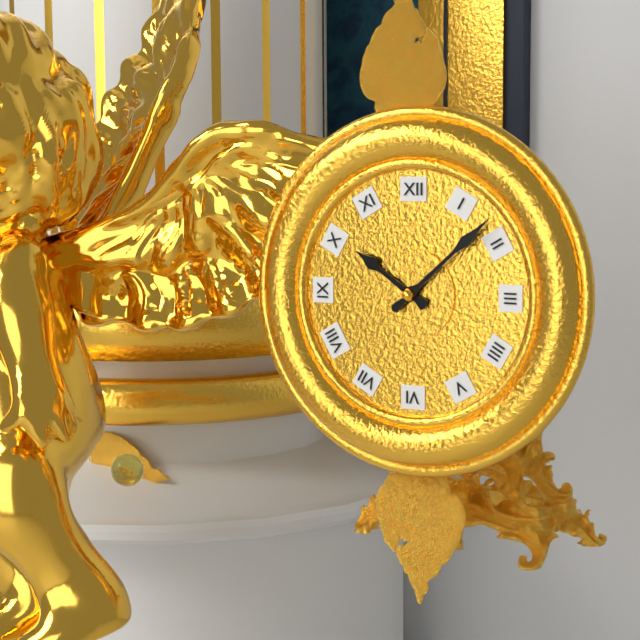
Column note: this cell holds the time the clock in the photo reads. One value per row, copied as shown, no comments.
10:08
